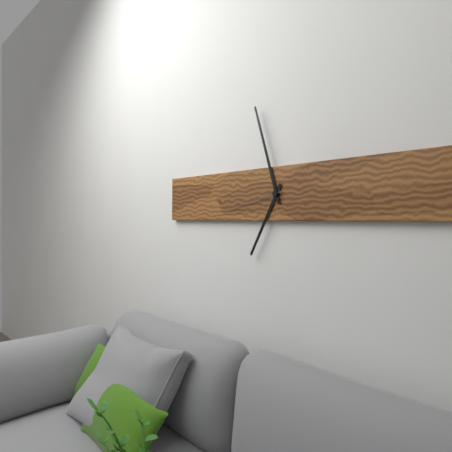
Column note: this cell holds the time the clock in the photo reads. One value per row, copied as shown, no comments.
6:57:43
